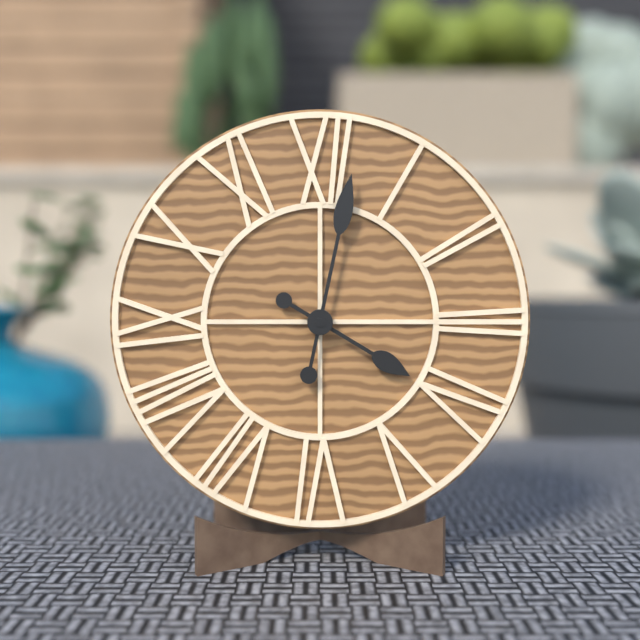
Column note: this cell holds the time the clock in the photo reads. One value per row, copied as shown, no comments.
4:02
